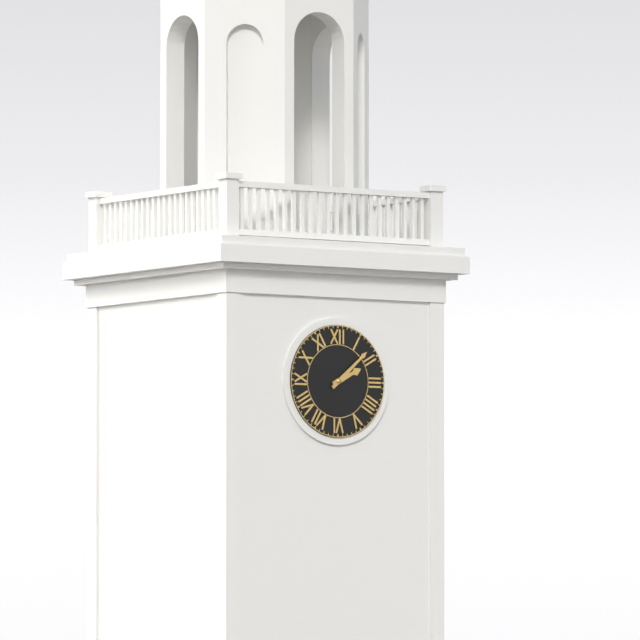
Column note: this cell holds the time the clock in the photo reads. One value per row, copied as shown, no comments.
2:08
